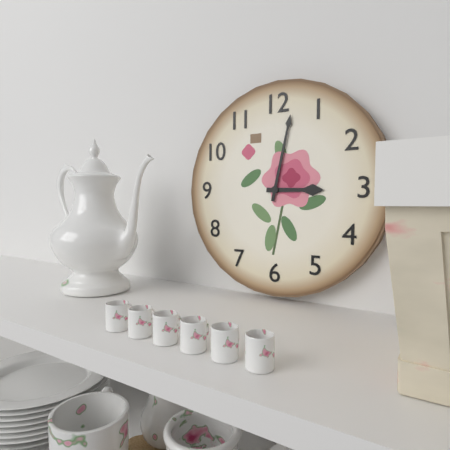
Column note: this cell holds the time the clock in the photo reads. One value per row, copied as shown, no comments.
3:02
